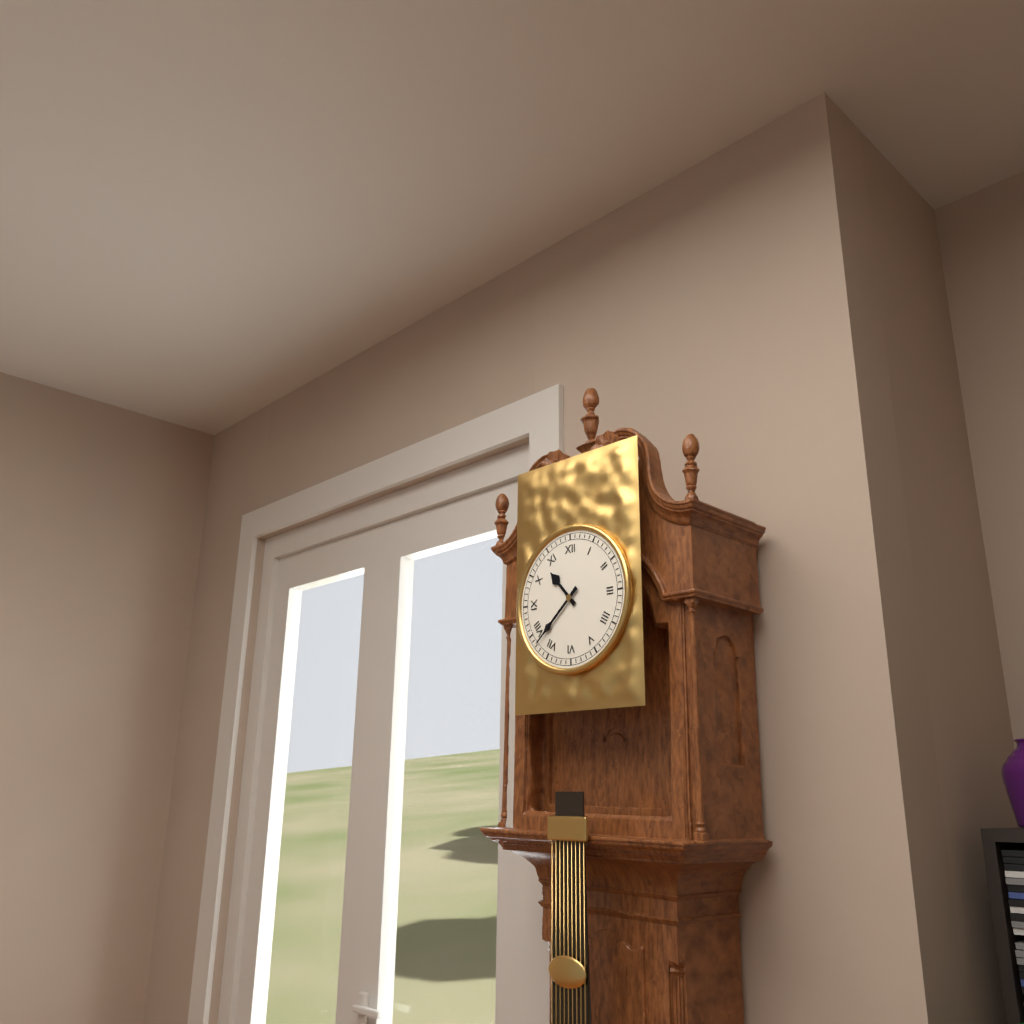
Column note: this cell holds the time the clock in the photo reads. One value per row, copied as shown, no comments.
10:38
